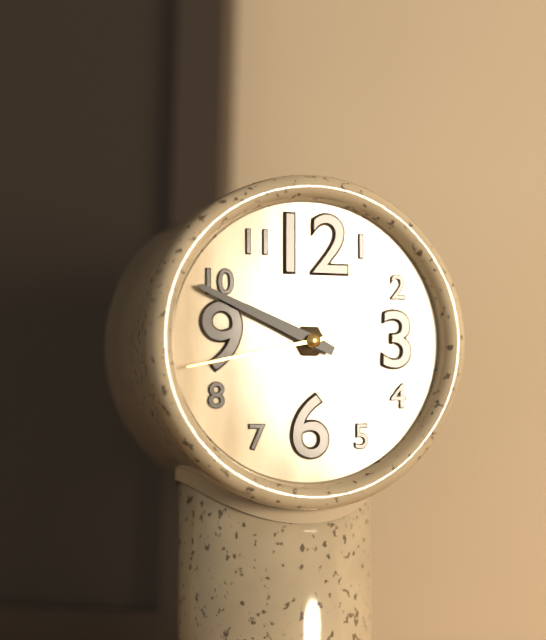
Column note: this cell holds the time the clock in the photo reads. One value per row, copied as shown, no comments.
9:49:43
